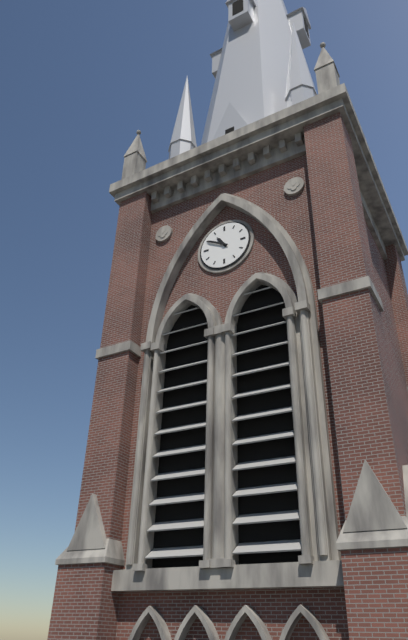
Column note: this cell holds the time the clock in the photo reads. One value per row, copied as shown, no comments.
10:50
